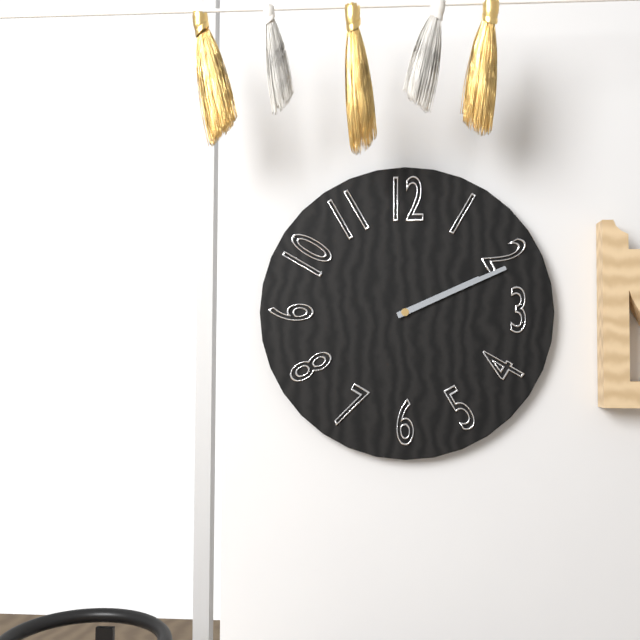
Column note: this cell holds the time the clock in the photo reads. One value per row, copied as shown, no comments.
2:11
